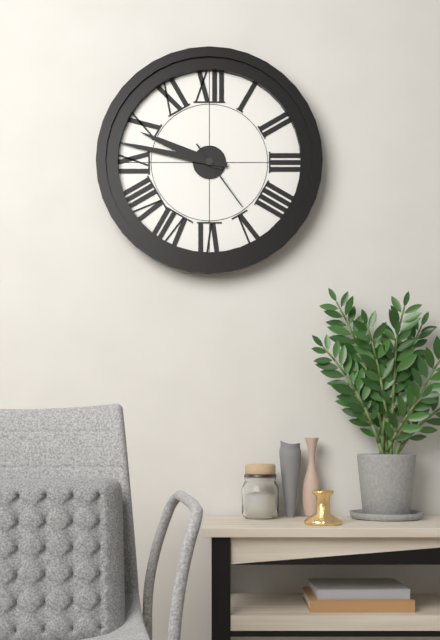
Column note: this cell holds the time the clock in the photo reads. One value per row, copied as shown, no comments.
9:47:24
